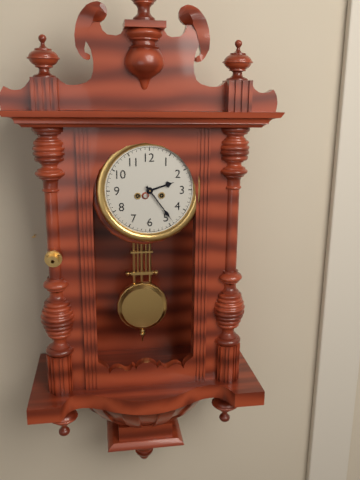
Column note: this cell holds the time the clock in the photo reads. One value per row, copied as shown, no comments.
2:24
